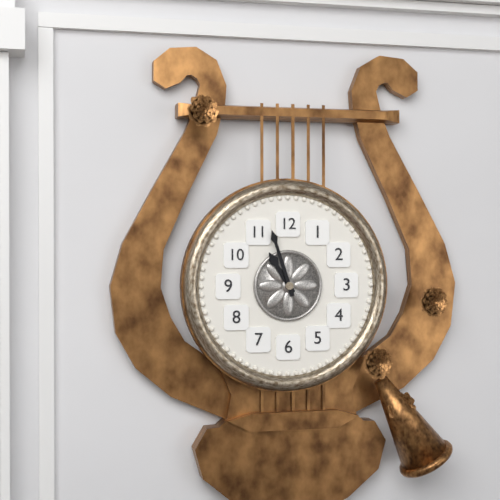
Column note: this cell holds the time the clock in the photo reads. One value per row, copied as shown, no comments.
10:57
